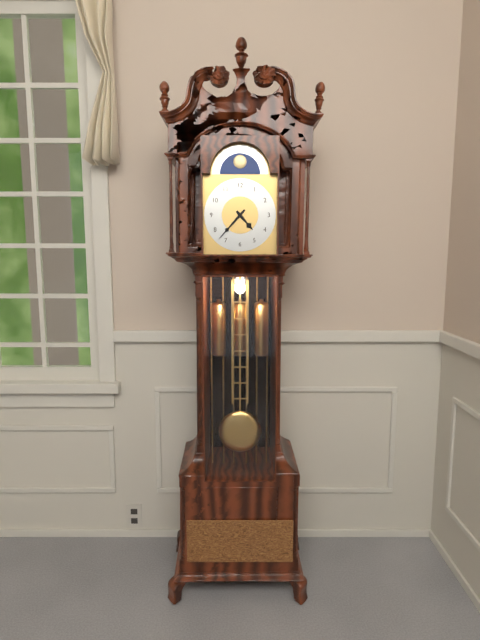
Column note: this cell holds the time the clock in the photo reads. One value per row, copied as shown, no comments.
4:37
